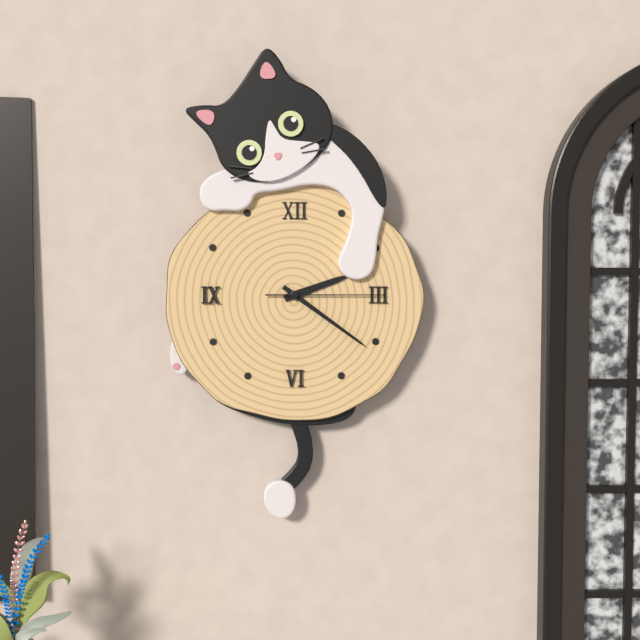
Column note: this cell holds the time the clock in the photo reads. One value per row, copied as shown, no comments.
2:21:15
